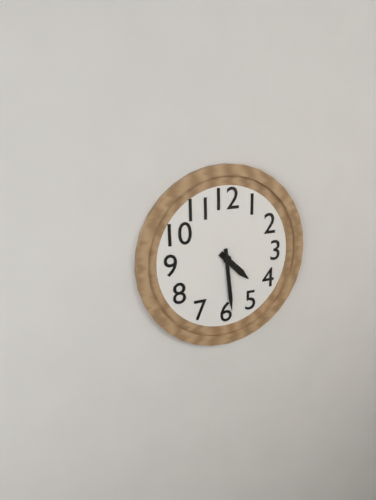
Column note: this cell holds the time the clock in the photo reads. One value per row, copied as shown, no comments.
4:29
